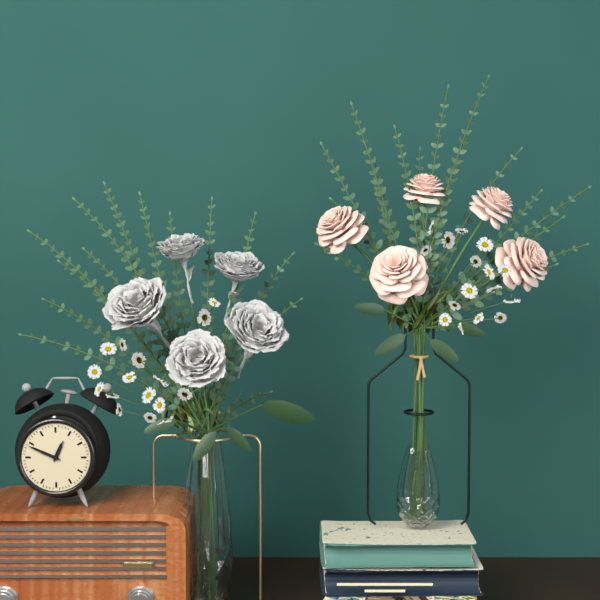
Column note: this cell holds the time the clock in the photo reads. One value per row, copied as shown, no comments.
12:49
